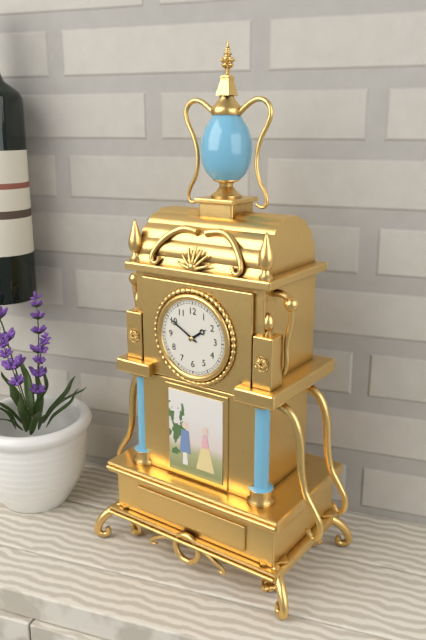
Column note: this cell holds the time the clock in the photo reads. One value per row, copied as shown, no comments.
1:50
